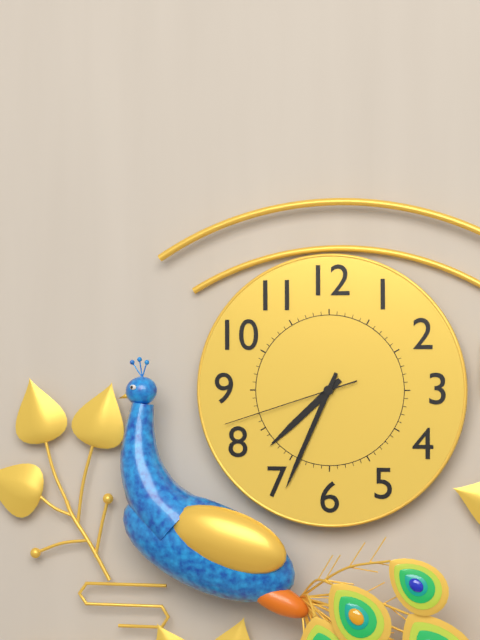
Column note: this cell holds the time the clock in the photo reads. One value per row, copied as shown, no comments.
7:34:42
